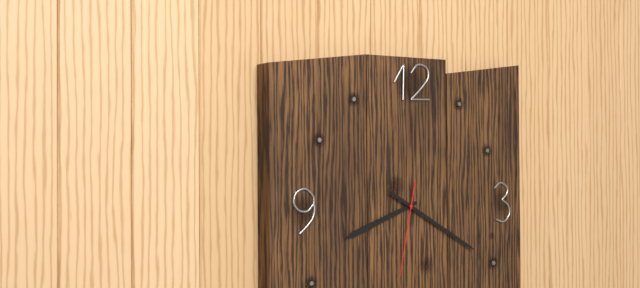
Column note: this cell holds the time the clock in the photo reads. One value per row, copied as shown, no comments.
8:20:32
